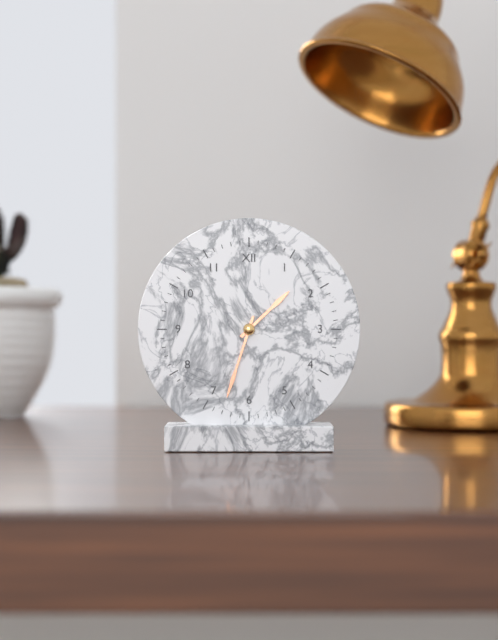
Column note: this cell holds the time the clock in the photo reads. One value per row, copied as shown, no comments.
1:33
